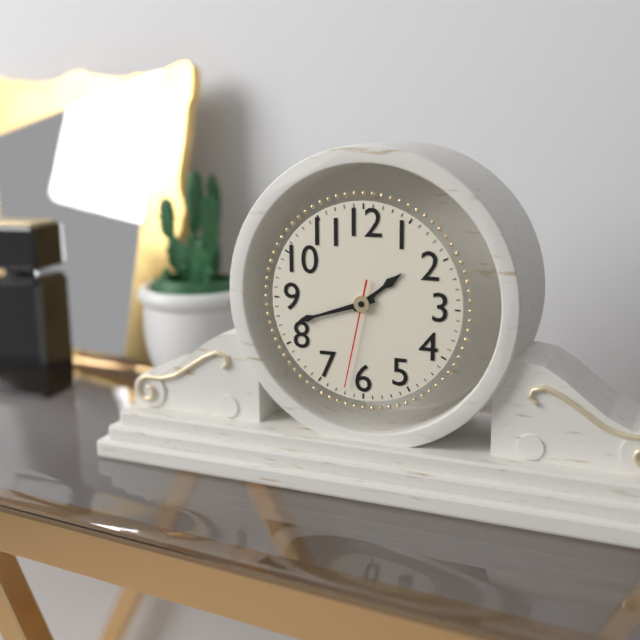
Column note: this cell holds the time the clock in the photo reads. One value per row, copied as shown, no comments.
1:42:32
